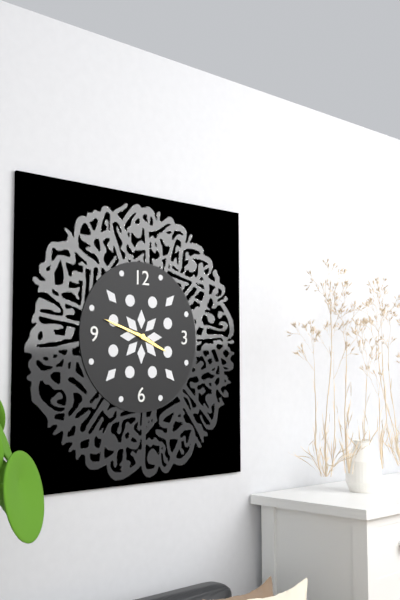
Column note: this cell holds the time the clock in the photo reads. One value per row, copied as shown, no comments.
3:48
